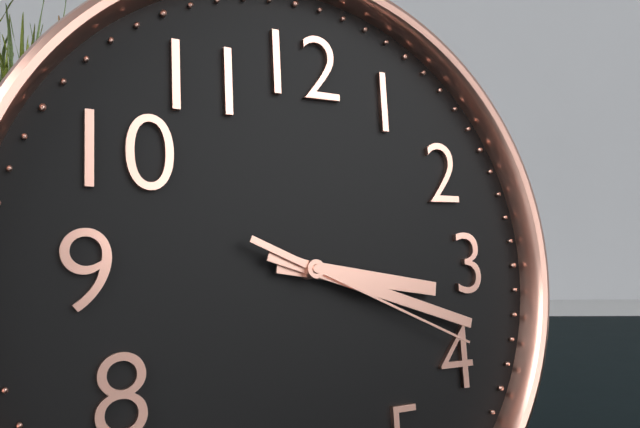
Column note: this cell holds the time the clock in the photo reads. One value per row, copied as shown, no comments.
3:18:19
